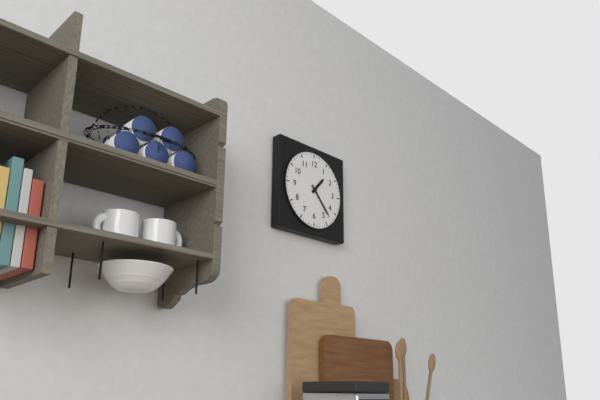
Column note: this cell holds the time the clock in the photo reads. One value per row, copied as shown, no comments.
1:23
